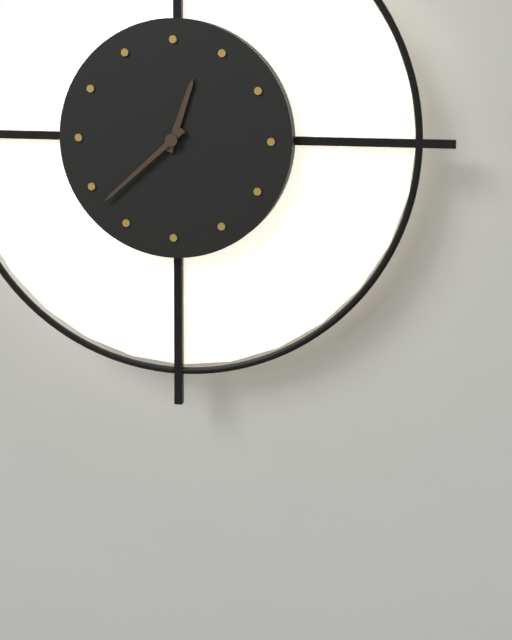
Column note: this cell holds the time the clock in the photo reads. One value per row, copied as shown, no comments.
12:38
